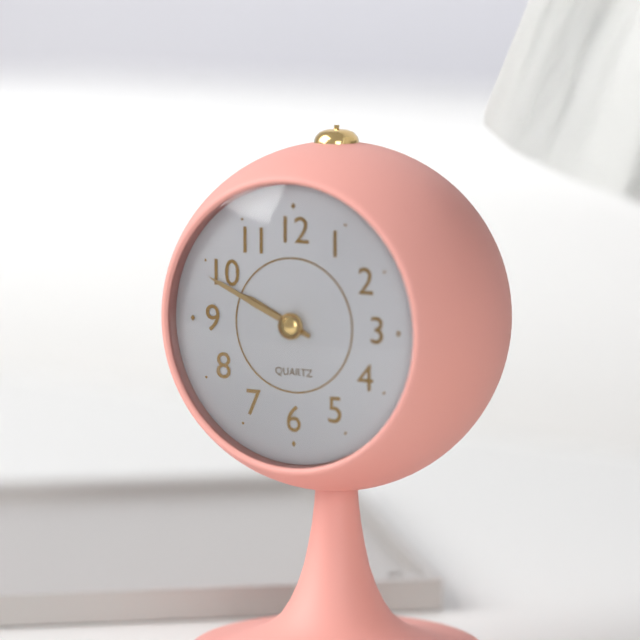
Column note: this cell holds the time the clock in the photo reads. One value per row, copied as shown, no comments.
9:49
